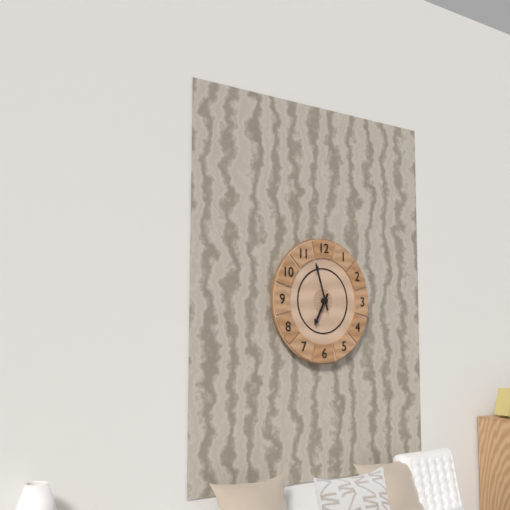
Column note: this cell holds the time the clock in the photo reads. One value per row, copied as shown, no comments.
6:57
